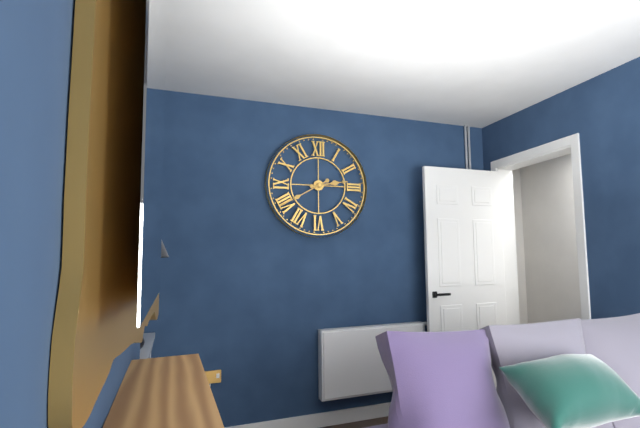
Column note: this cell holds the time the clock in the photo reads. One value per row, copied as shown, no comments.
2:40
